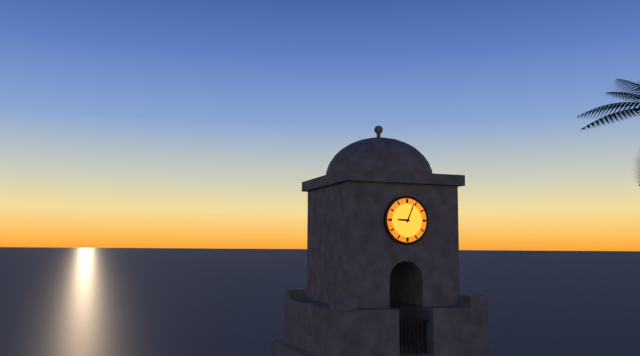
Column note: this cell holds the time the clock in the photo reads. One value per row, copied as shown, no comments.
9:04
